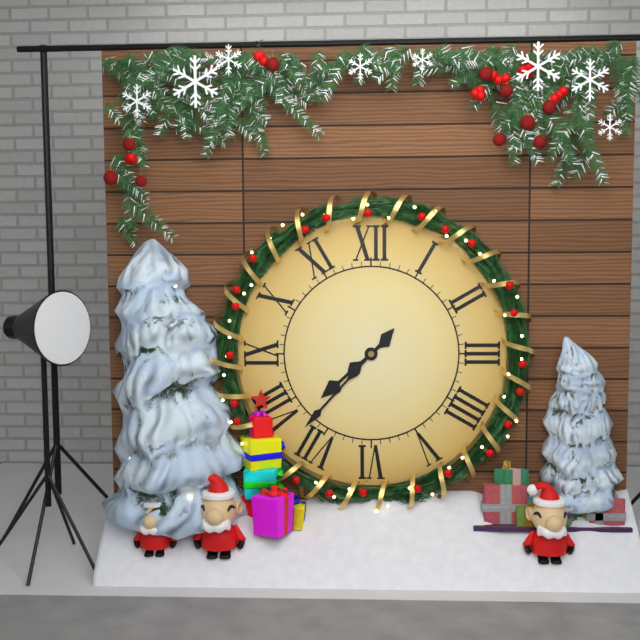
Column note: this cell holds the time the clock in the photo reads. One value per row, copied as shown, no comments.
7:37
